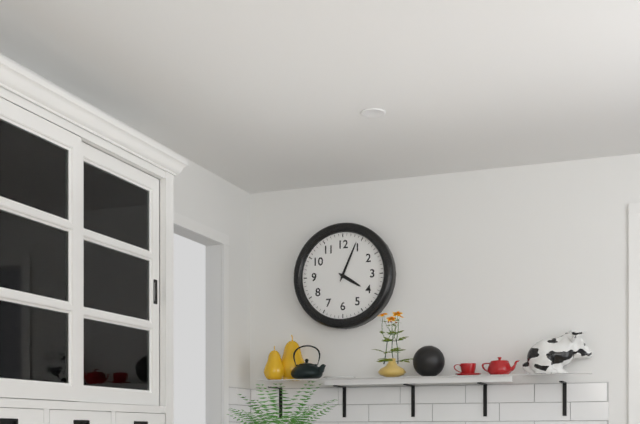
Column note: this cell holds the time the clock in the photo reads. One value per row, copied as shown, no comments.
4:04
